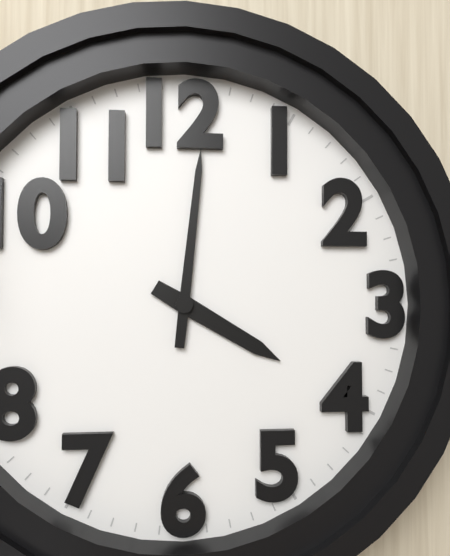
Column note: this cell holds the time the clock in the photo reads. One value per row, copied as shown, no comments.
4:01
